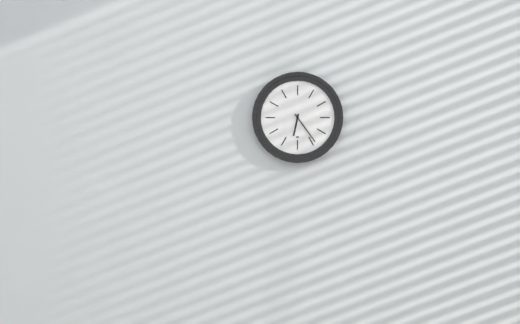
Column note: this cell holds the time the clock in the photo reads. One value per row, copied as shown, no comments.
6:24
